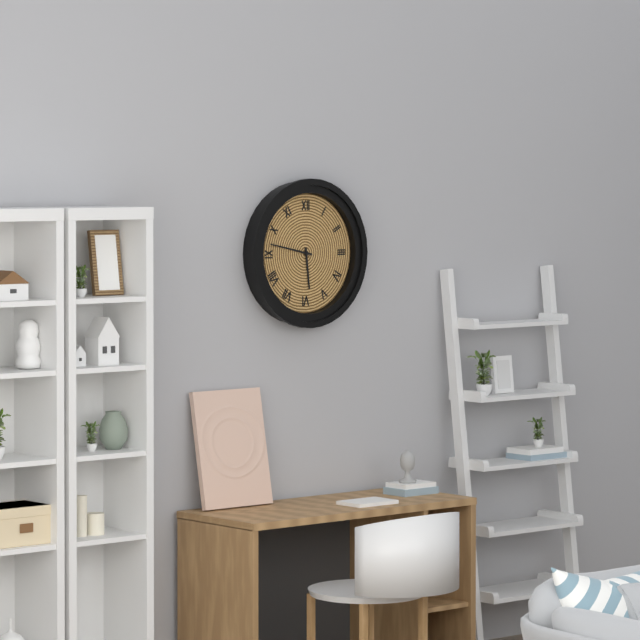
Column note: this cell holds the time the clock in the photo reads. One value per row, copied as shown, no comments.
5:47
